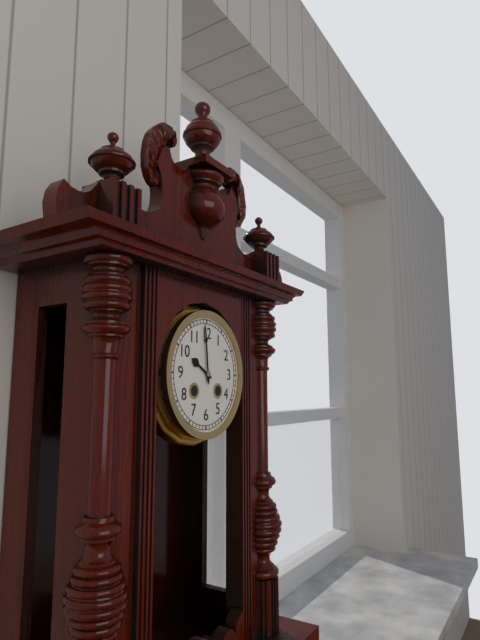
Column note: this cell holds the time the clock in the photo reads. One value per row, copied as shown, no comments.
9:59
